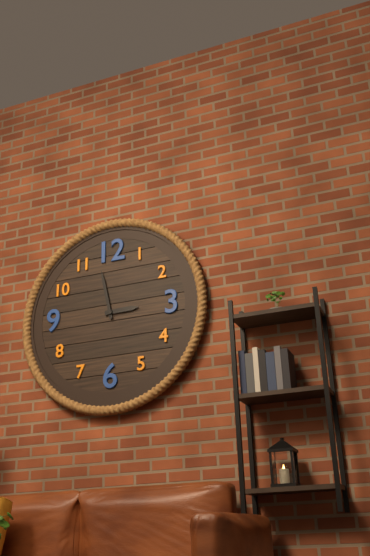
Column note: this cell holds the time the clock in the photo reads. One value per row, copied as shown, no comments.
2:58
